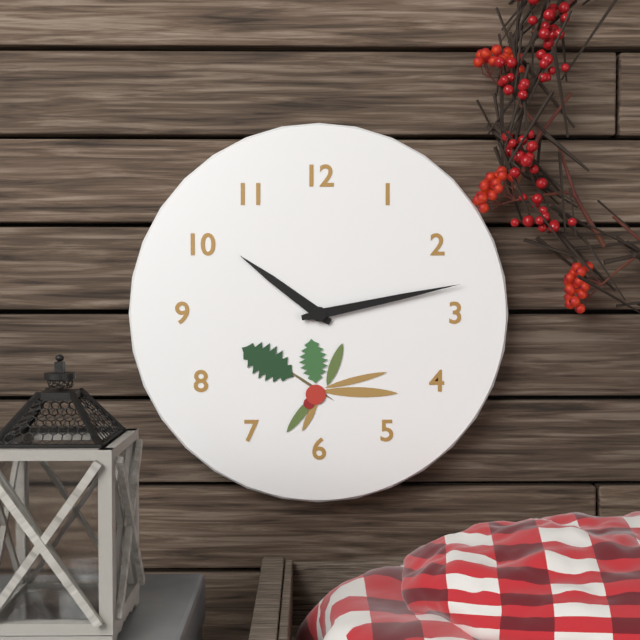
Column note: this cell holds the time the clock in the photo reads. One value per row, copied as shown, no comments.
10:13
